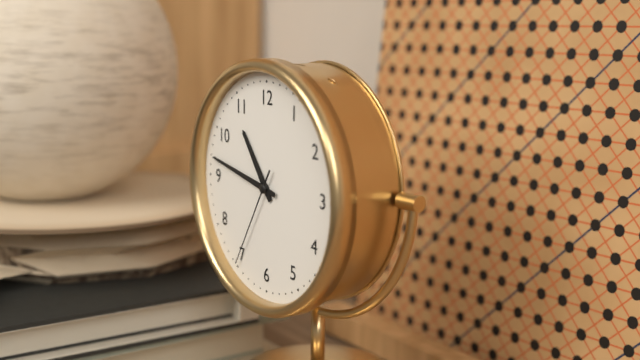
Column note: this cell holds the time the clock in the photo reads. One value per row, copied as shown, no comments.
10:47:35
